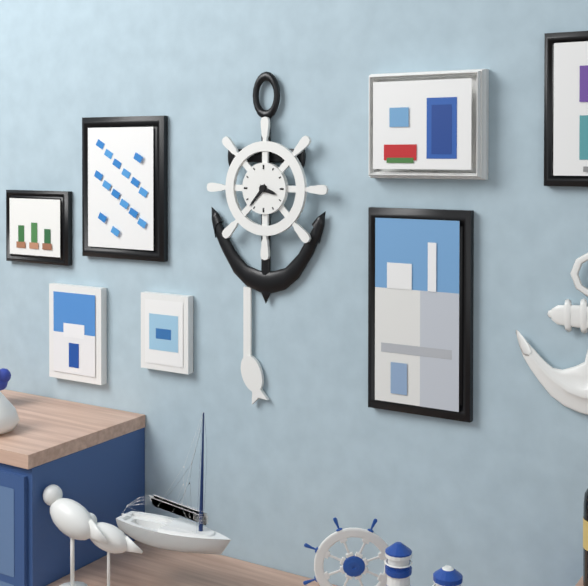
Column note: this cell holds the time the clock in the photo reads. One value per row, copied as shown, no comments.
3:37
